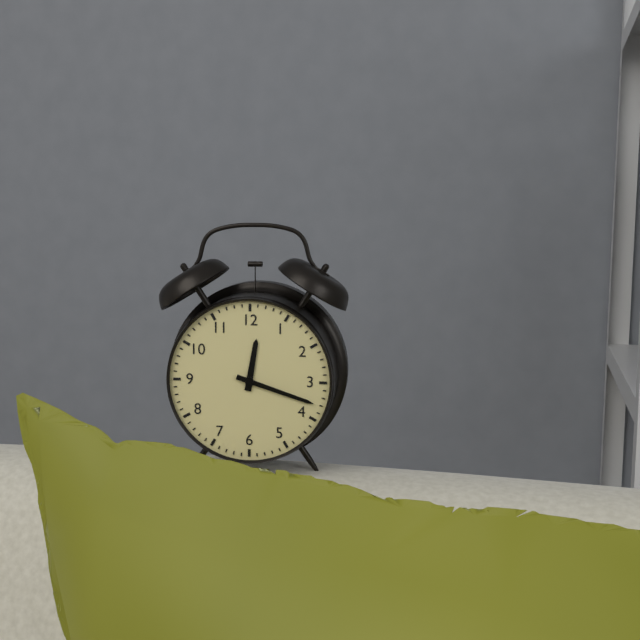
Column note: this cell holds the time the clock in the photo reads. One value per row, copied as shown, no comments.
12:18
